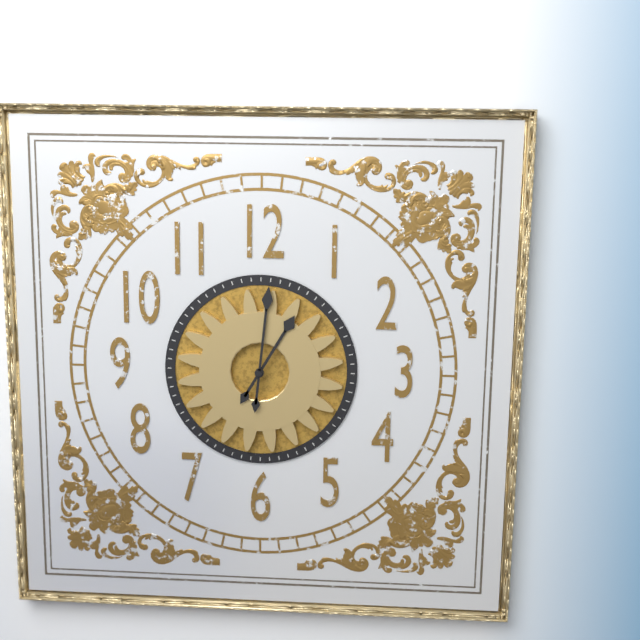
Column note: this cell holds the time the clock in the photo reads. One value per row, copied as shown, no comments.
1:01
